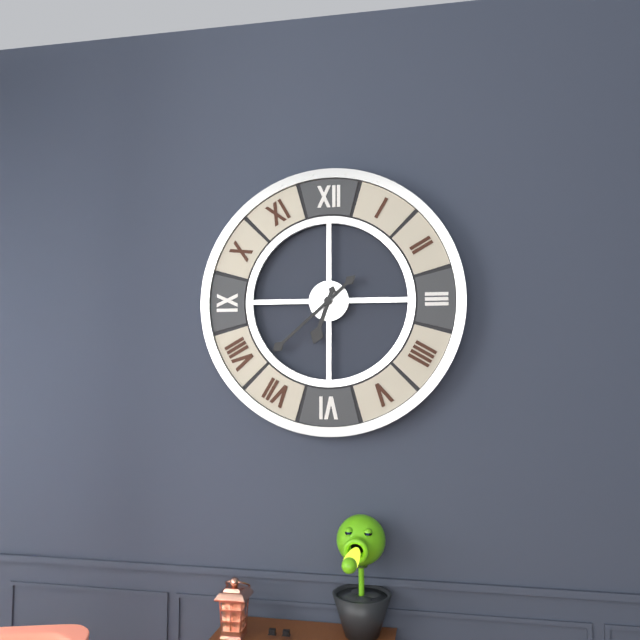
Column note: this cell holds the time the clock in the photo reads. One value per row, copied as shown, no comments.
6:38
